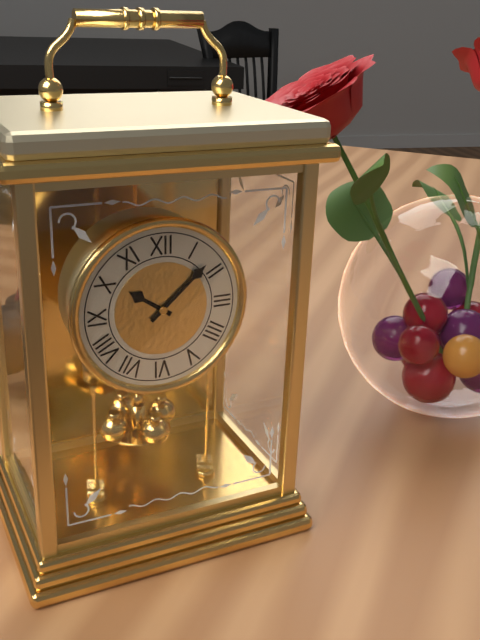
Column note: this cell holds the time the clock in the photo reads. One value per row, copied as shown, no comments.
10:08
